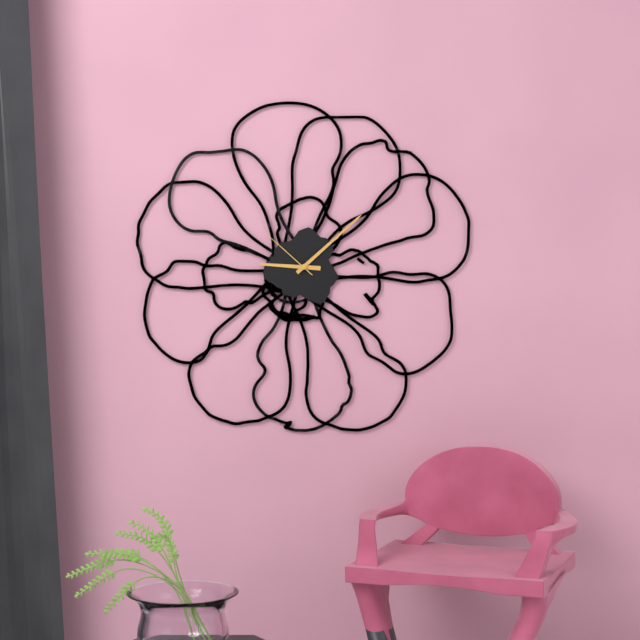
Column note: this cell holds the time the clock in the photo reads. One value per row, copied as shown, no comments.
9:08:52
